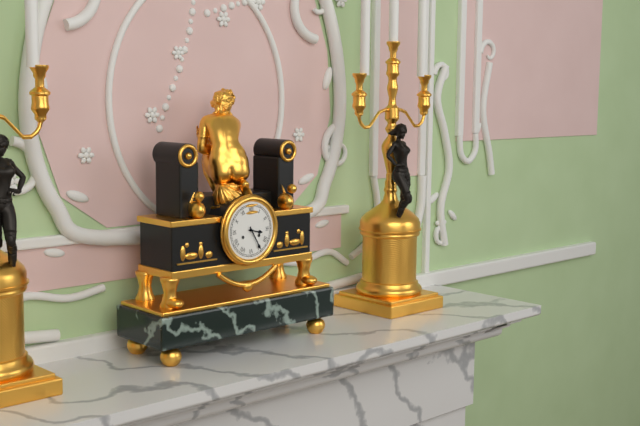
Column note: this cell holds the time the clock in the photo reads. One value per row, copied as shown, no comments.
3:25
